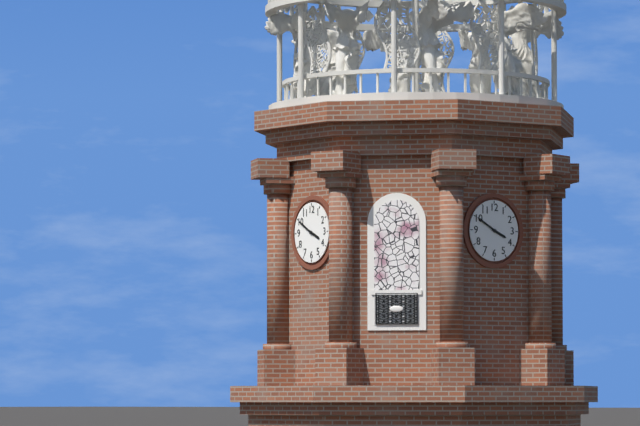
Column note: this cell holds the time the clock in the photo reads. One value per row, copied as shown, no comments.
3:50
